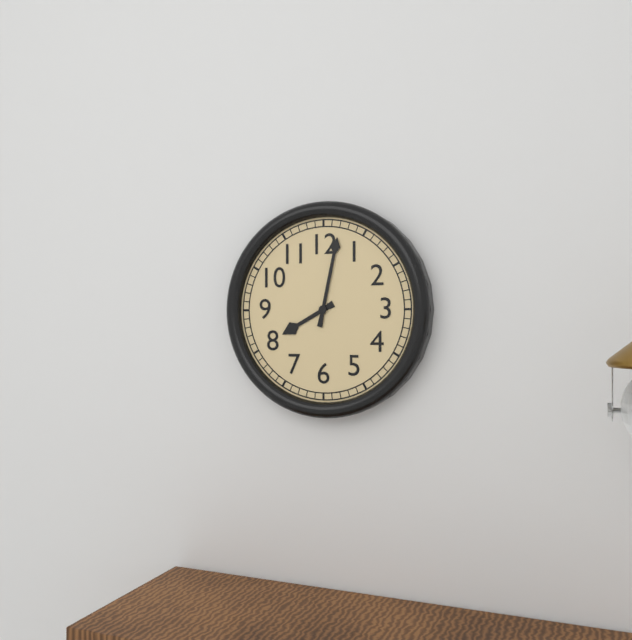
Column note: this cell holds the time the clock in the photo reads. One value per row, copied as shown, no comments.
8:02
